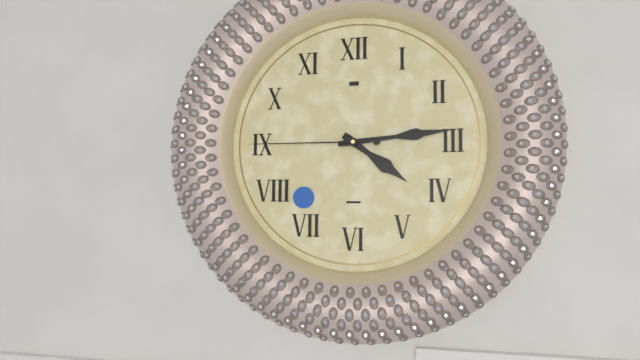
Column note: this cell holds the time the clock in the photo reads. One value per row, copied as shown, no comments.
4:14:45
